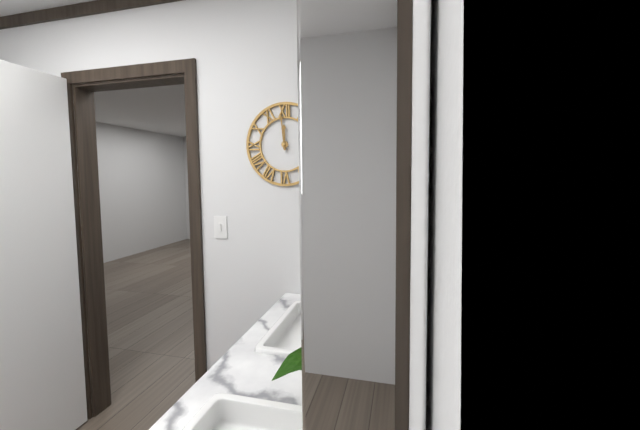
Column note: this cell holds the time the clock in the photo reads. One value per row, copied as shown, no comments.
11:59
